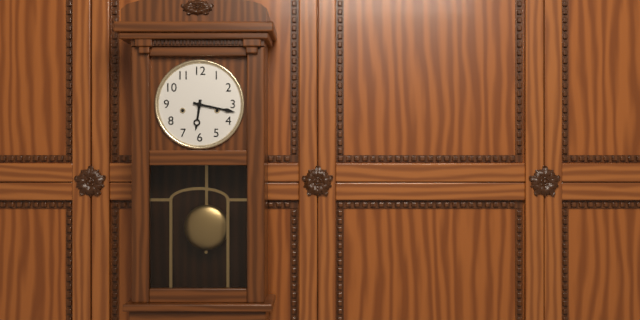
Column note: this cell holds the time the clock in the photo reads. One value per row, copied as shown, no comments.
6:17
